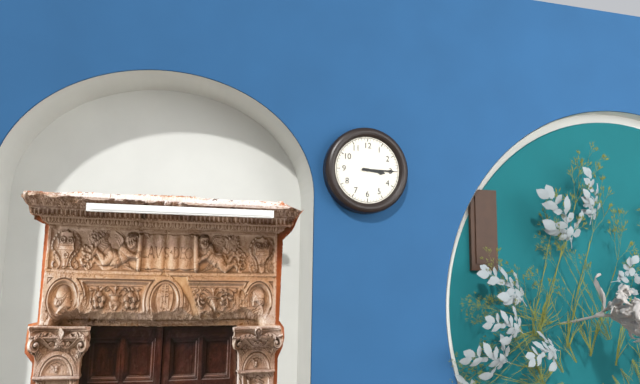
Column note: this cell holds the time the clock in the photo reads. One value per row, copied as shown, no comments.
3:15
